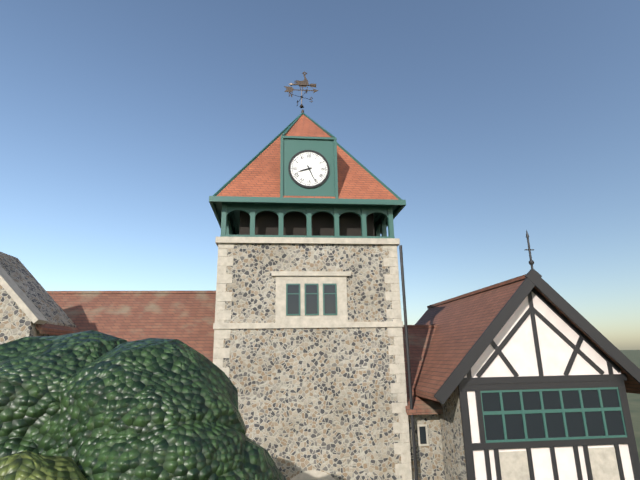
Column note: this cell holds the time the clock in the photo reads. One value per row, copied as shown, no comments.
8:26
